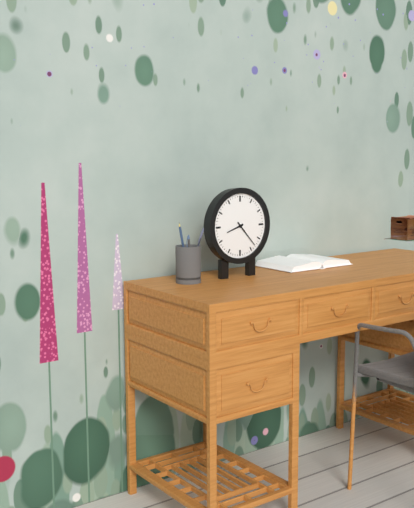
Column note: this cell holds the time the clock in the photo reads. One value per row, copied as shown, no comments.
8:23
